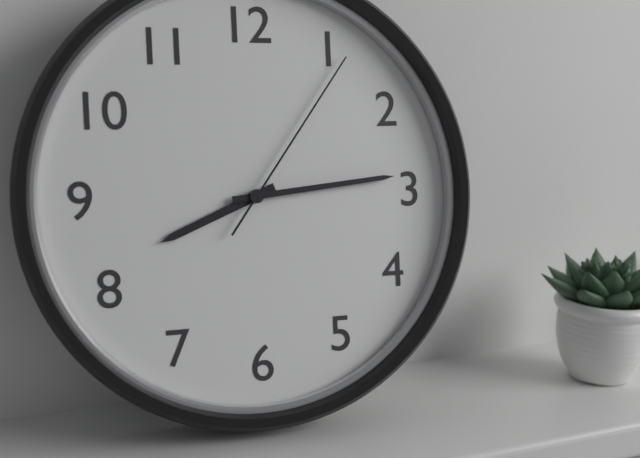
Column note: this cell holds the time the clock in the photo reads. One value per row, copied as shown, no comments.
8:14:06
